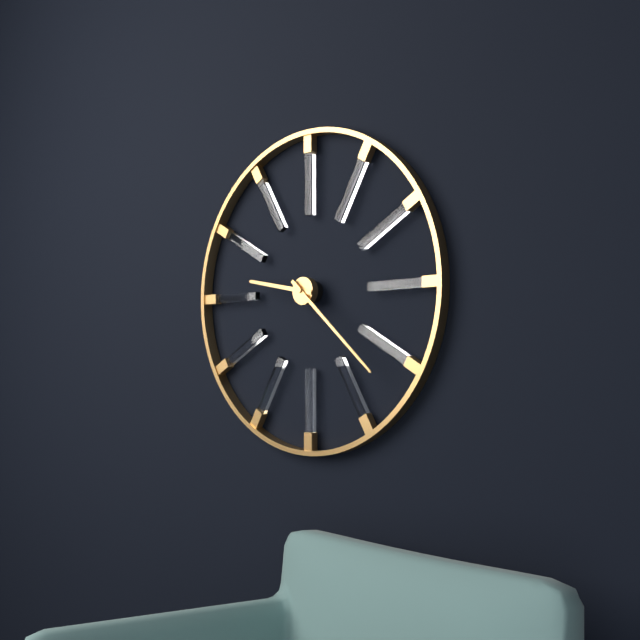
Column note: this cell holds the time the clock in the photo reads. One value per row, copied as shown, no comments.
9:22
